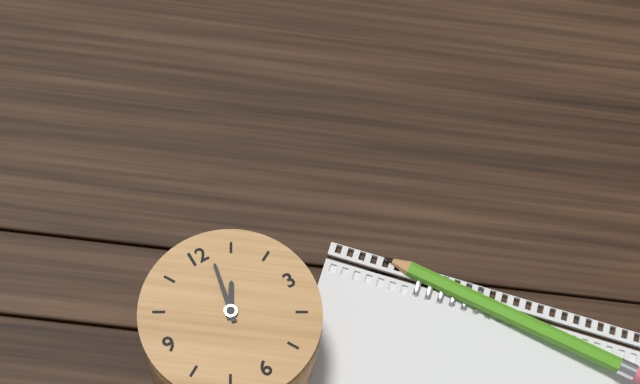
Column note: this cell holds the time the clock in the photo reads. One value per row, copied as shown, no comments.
1:02
